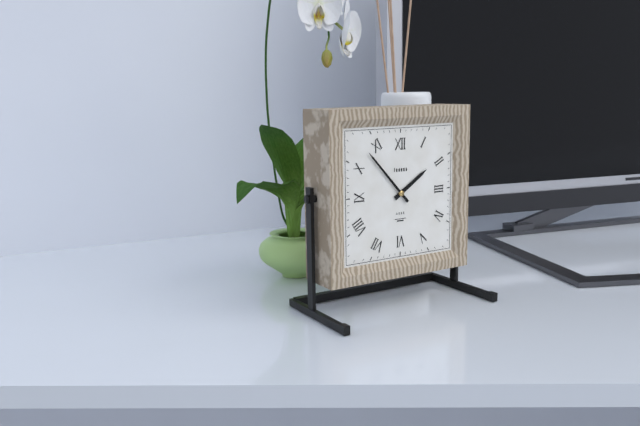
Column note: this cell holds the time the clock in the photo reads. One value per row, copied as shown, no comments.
1:53
